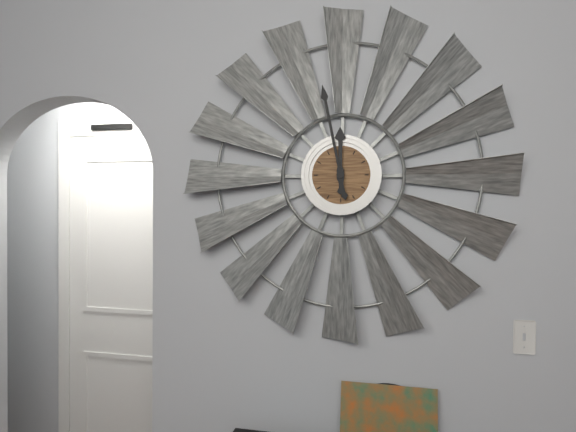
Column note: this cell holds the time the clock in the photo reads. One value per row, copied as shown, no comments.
11:58
